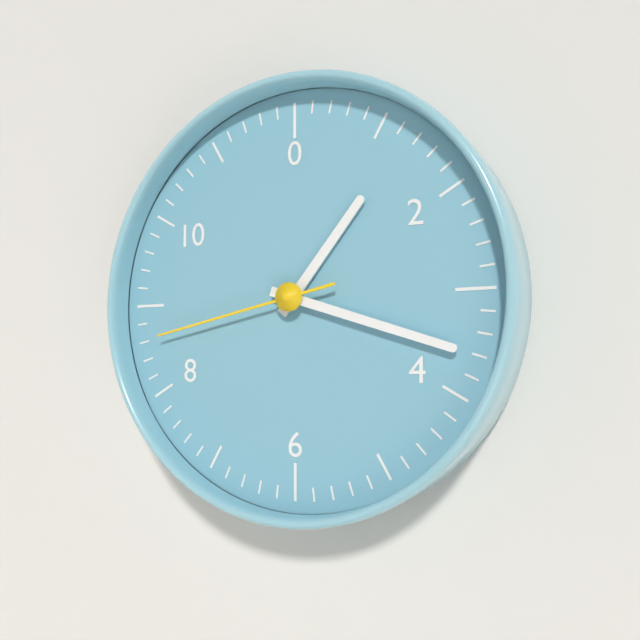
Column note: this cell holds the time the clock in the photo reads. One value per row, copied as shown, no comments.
1:18:43
